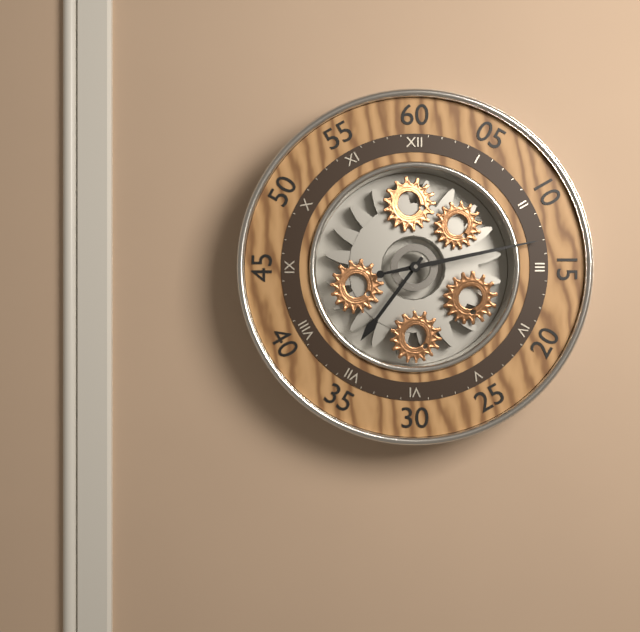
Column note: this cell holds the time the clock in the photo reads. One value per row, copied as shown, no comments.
7:13
